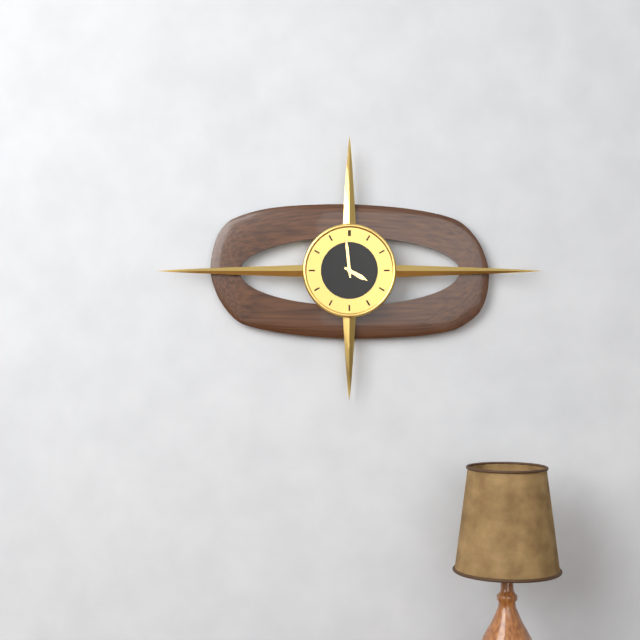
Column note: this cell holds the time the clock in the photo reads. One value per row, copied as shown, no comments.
3:59
